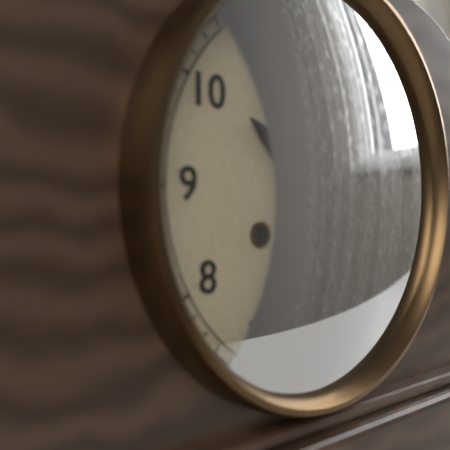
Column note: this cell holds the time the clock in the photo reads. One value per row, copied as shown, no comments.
10:08
